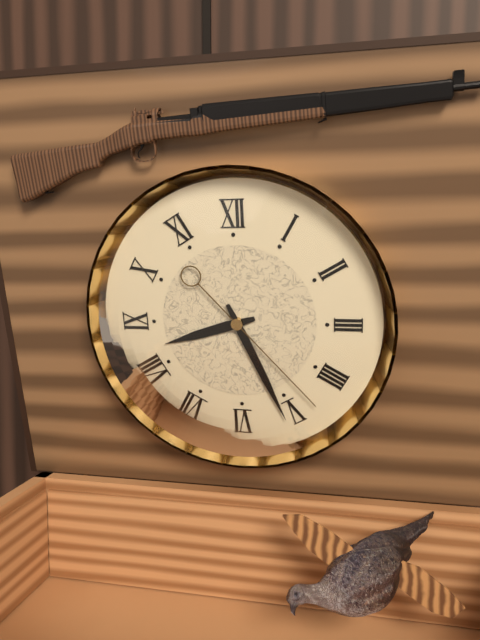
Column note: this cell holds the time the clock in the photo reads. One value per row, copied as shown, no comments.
8:26:23
